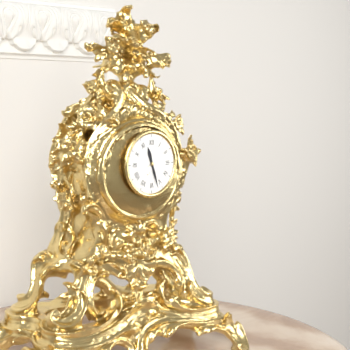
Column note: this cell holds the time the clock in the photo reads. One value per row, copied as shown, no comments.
11:27
